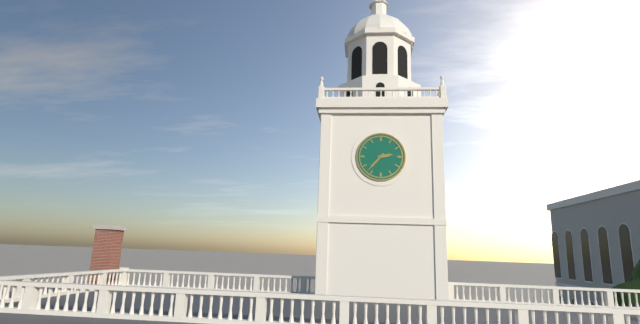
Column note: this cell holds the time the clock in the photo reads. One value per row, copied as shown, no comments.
2:37
